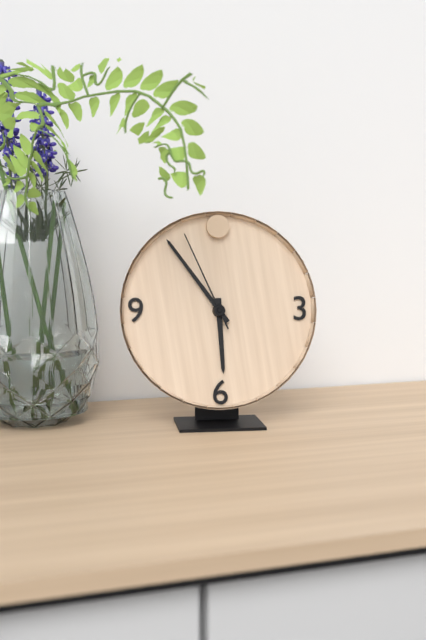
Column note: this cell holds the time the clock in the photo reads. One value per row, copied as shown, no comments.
5:54:56
